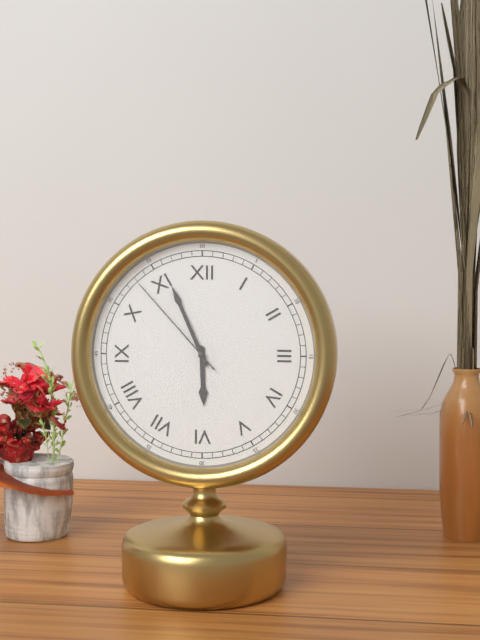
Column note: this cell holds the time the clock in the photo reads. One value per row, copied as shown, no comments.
5:56:53
